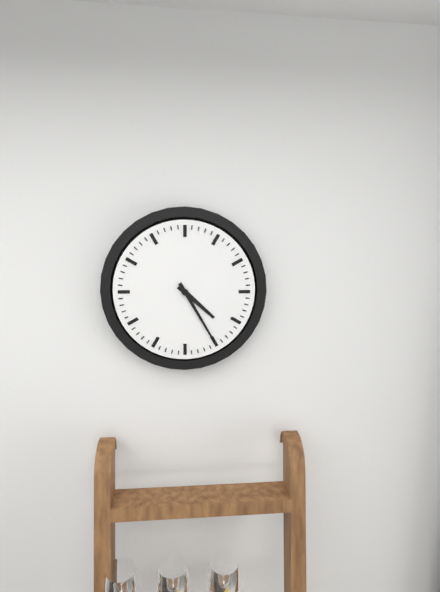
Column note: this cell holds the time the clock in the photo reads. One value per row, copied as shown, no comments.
4:25
